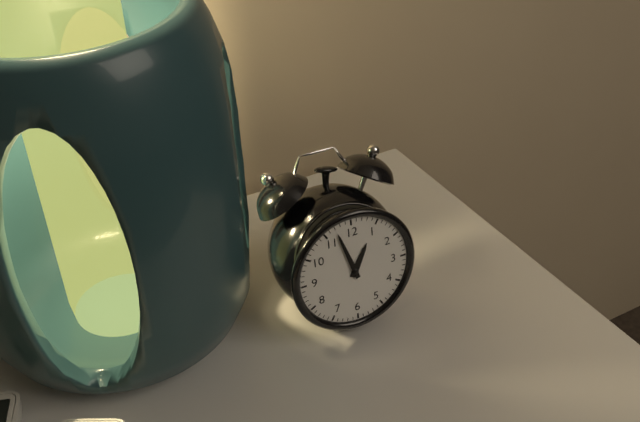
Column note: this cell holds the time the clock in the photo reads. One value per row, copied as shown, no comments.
12:57
